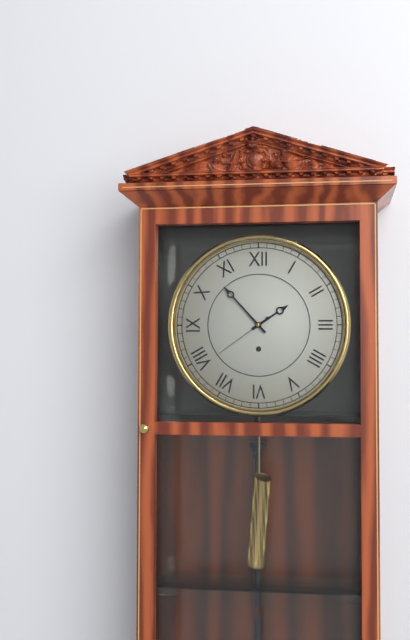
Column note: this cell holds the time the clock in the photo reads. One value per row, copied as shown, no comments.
1:53:39
